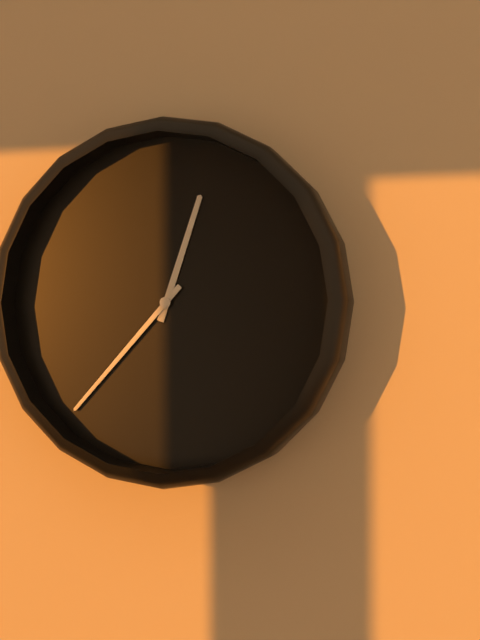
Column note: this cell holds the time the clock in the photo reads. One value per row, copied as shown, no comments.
12:37
